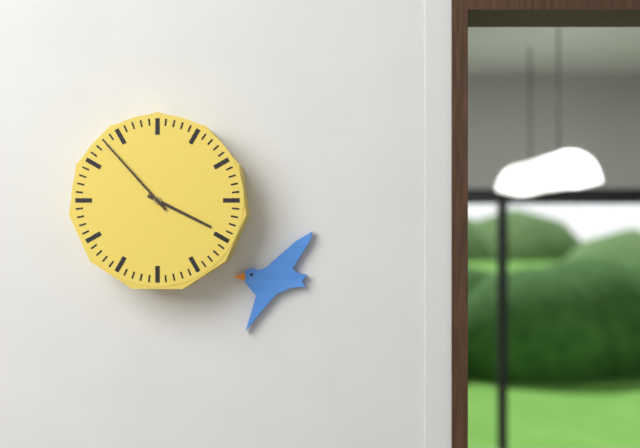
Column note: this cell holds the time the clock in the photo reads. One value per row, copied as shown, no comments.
3:53
